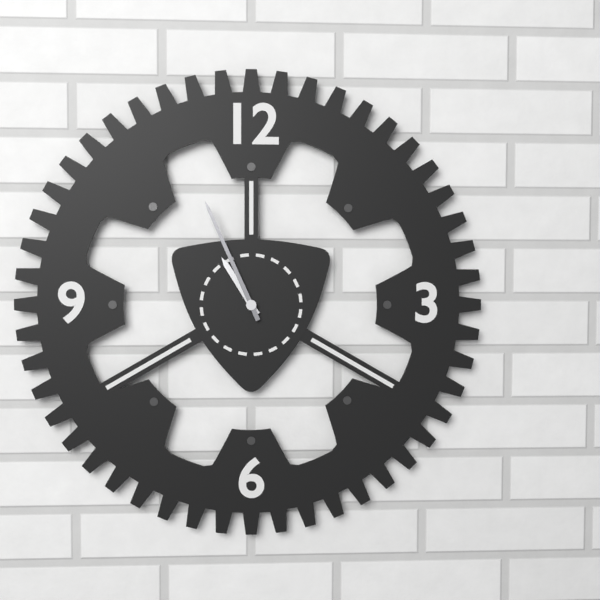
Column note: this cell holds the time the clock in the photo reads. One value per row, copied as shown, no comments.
10:56
